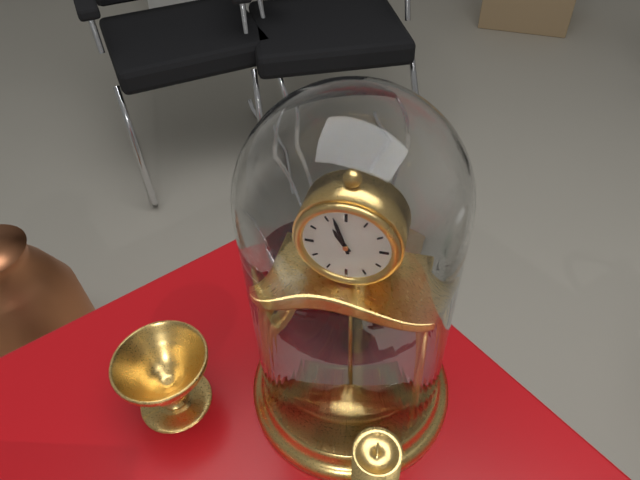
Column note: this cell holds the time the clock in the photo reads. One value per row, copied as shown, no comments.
10:57
